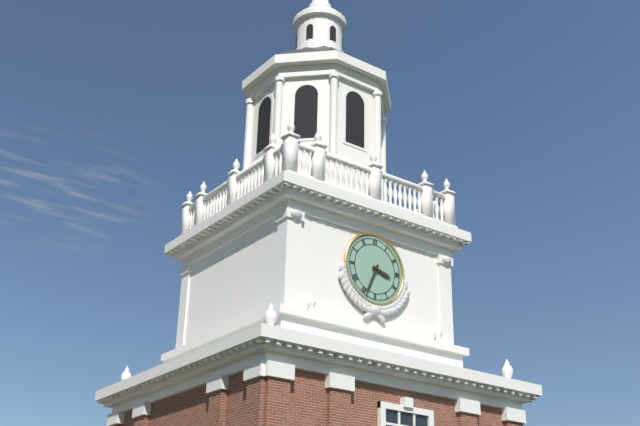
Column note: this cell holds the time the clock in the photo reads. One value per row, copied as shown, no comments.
3:34
